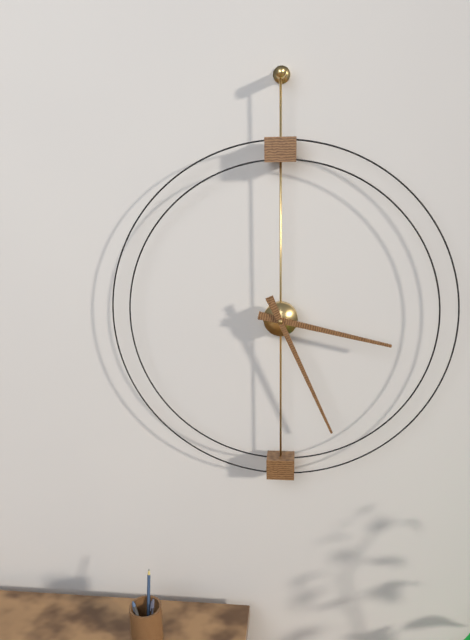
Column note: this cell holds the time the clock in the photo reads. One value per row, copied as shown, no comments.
3:26
